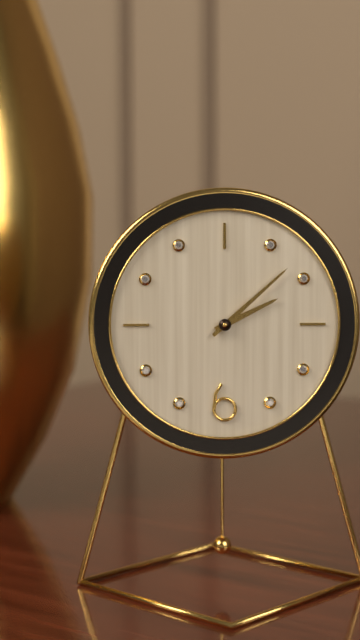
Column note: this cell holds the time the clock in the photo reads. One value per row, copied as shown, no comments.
2:08
